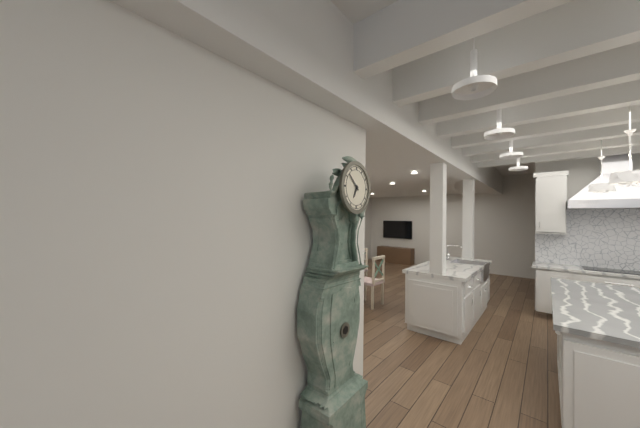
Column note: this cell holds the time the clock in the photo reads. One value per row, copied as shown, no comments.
6:52
